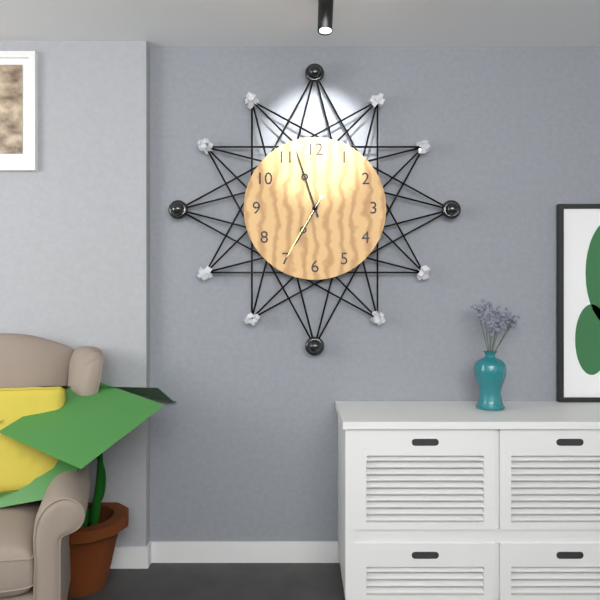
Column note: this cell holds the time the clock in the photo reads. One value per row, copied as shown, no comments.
6:57:35
